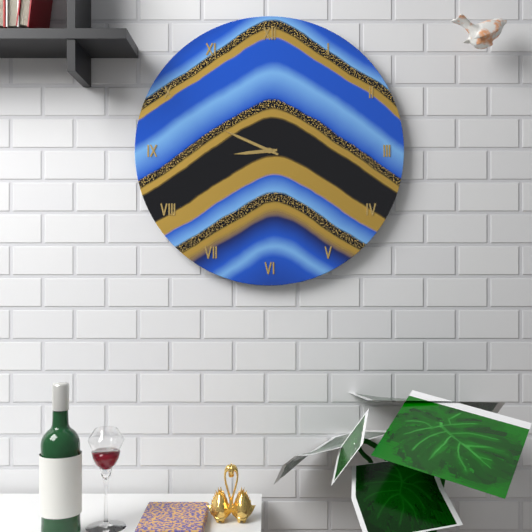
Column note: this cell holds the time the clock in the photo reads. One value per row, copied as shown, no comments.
8:49
